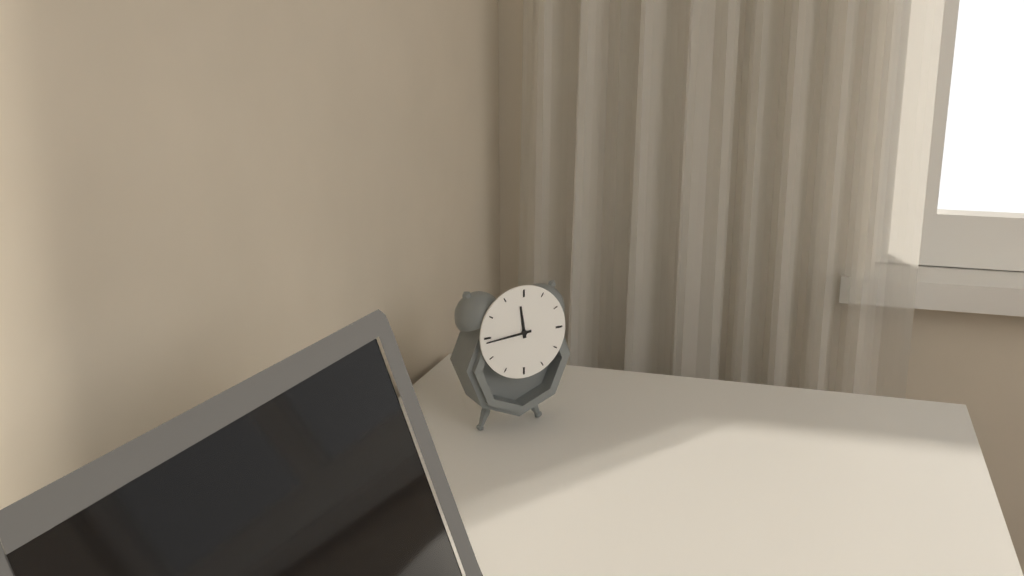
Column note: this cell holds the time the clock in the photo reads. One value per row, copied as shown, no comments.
11:44
